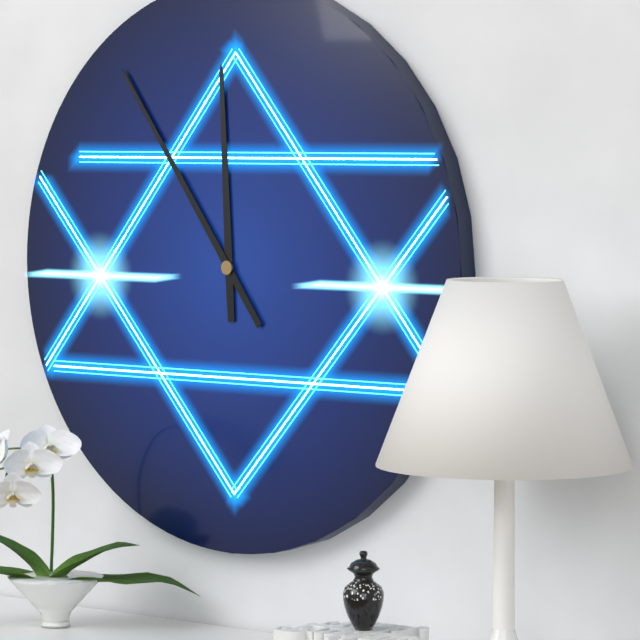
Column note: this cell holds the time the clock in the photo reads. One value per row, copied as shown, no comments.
11:54
